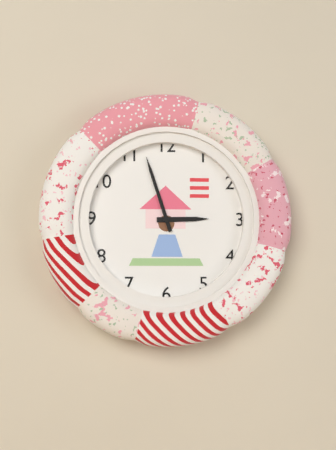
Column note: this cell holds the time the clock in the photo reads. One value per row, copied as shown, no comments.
2:57
